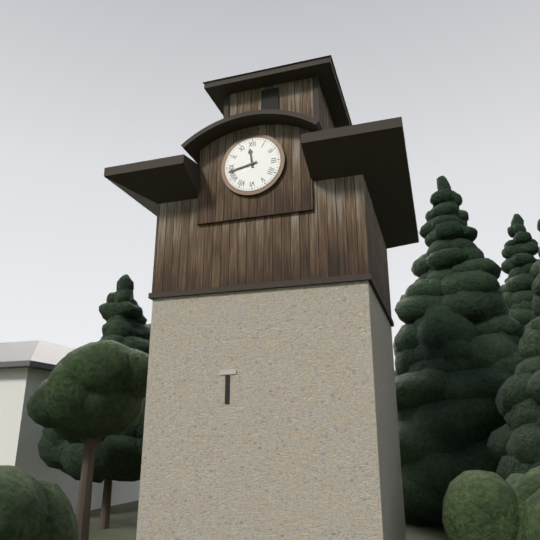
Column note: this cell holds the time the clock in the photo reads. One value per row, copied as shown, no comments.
11:43
